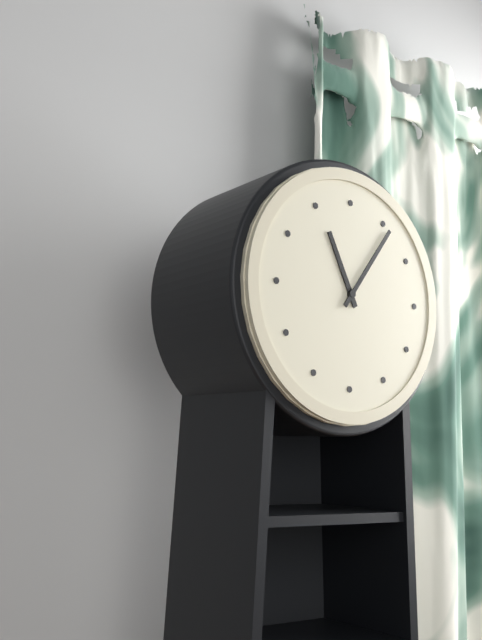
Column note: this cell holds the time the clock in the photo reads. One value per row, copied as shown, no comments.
11:06
